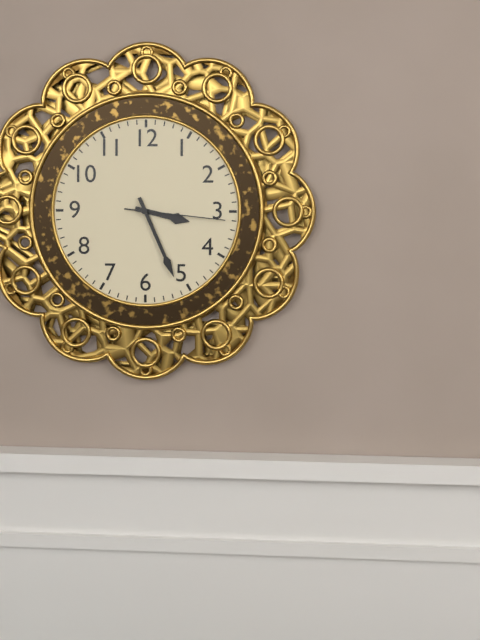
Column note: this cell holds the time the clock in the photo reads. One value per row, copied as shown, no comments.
3:26:16
